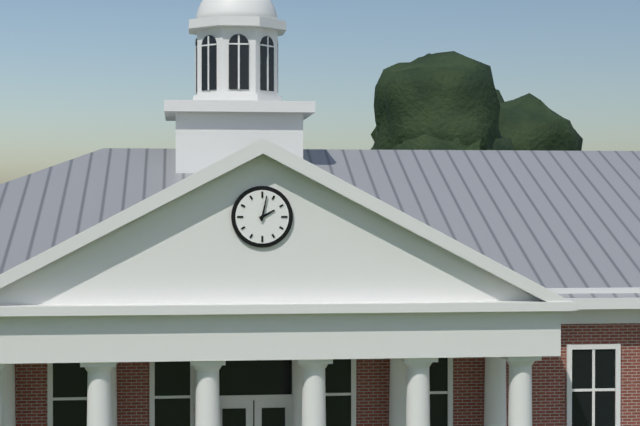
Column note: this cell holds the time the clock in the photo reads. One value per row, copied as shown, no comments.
2:02
